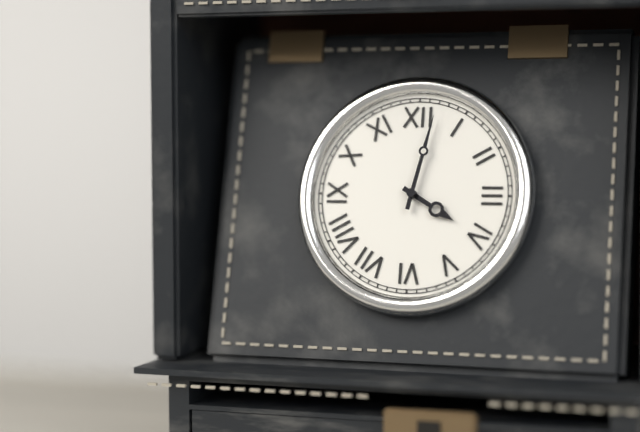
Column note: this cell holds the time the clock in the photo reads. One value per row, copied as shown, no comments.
4:02
